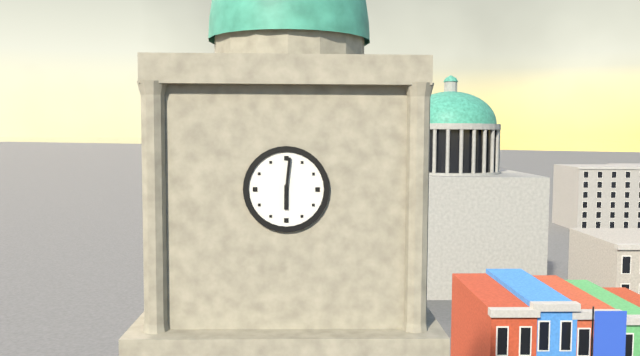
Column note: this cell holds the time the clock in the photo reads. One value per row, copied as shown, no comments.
6:01
